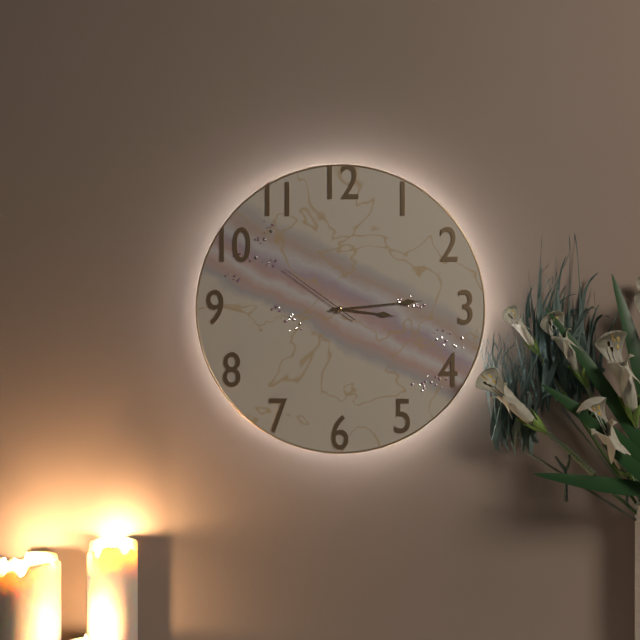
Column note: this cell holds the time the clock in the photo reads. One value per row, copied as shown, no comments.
3:14:51
